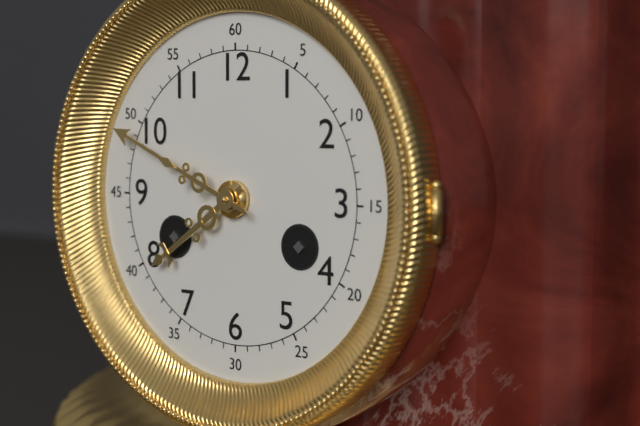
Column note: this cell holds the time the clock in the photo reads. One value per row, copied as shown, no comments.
7:49
